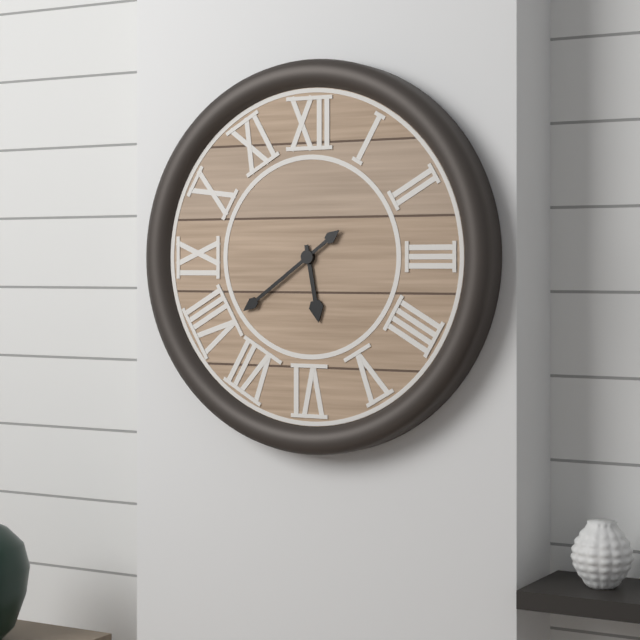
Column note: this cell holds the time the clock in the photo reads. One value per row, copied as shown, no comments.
5:39
